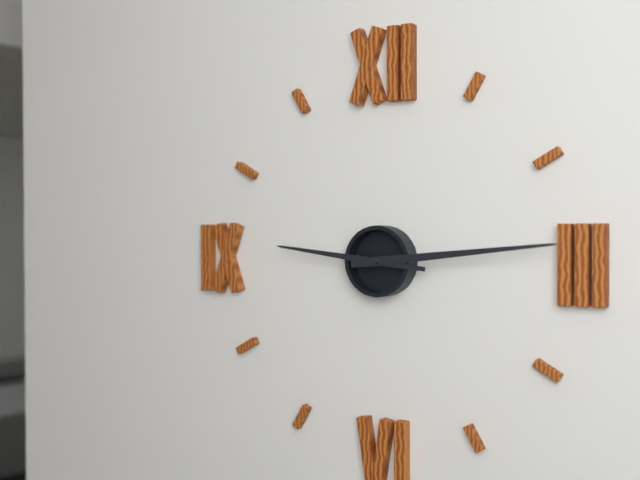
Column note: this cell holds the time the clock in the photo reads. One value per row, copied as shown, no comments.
9:14
